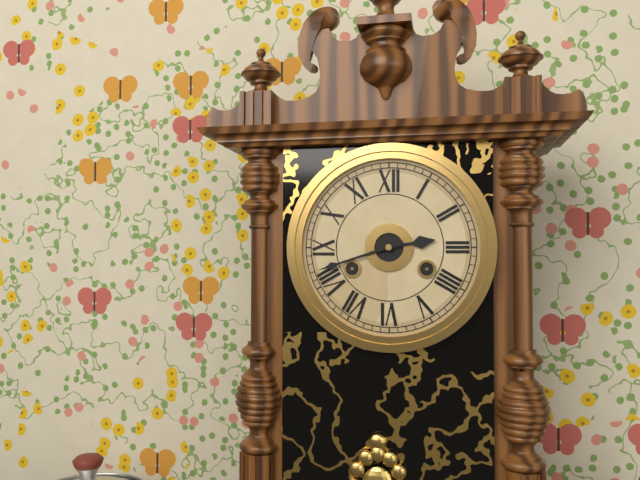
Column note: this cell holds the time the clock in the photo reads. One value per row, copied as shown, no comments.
2:42
